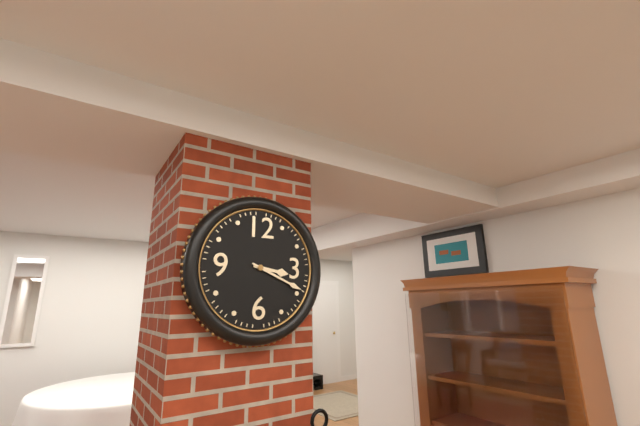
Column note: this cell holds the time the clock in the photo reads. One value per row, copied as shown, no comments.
3:19
